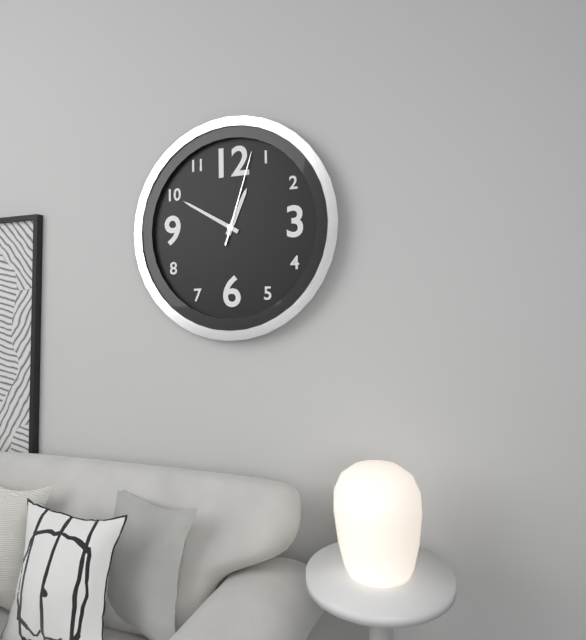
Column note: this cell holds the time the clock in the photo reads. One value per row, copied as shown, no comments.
12:50:03
